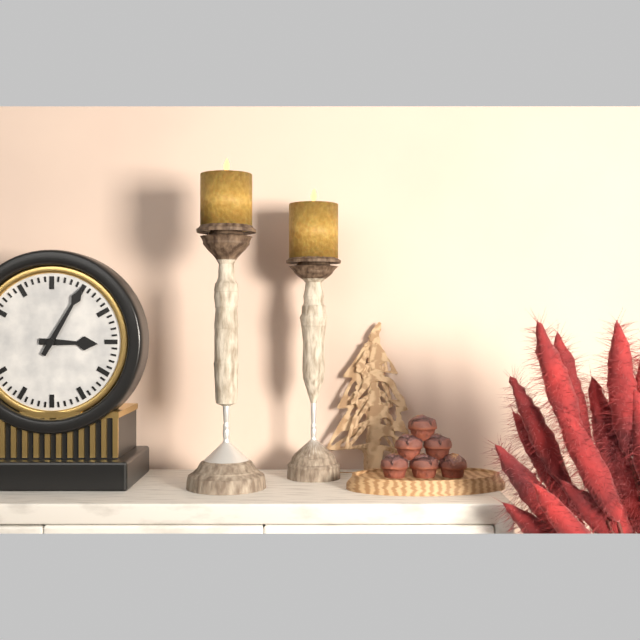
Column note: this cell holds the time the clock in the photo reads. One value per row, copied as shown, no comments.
3:05
